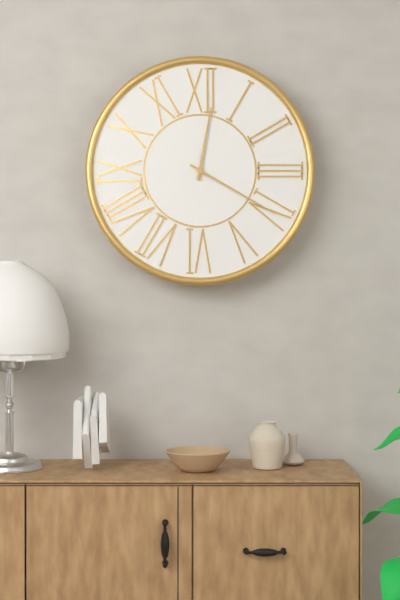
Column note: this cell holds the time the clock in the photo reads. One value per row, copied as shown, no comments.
12:20
